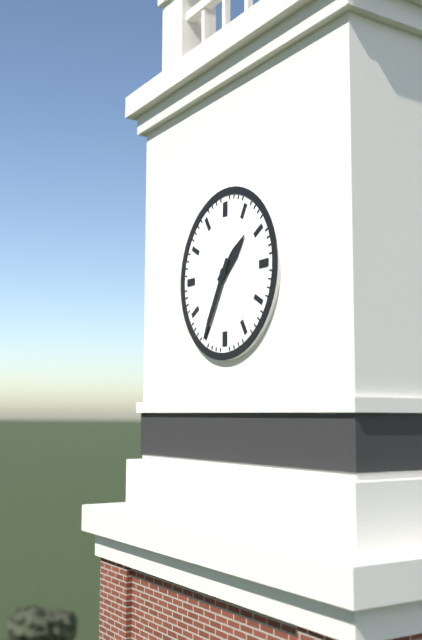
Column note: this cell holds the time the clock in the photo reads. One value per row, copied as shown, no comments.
1:35
